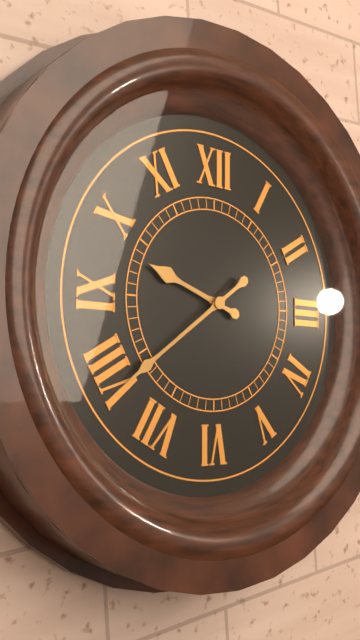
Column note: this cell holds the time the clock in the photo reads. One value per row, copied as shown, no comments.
9:39
